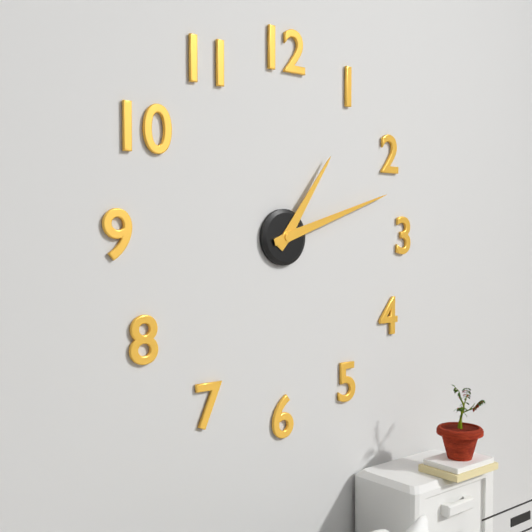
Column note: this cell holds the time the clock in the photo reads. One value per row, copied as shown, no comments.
1:12
